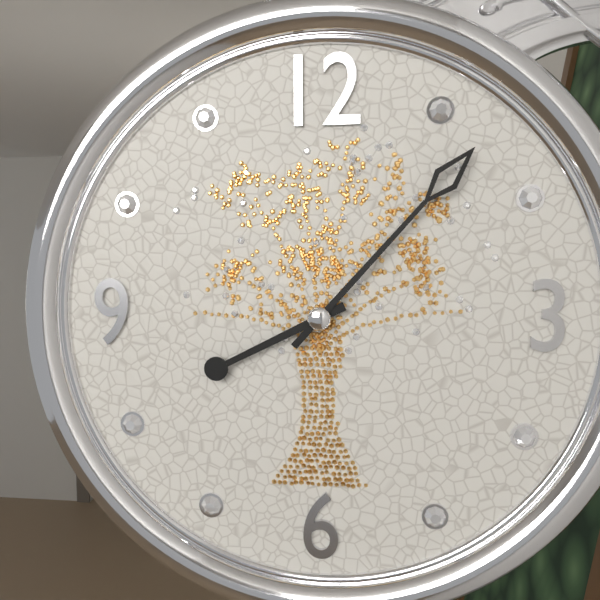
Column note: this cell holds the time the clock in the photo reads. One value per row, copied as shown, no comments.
8:07
